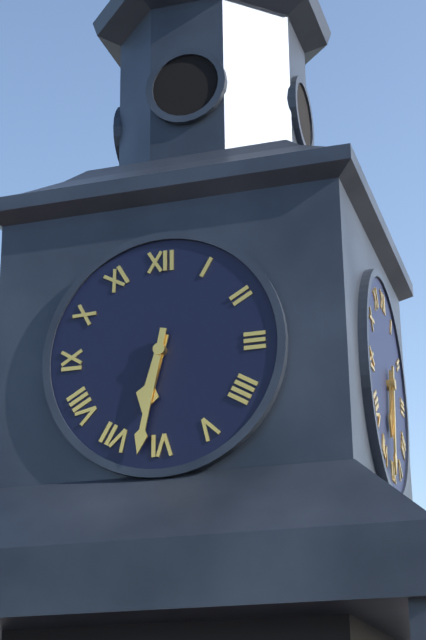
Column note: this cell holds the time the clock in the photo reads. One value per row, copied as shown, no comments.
6:32
